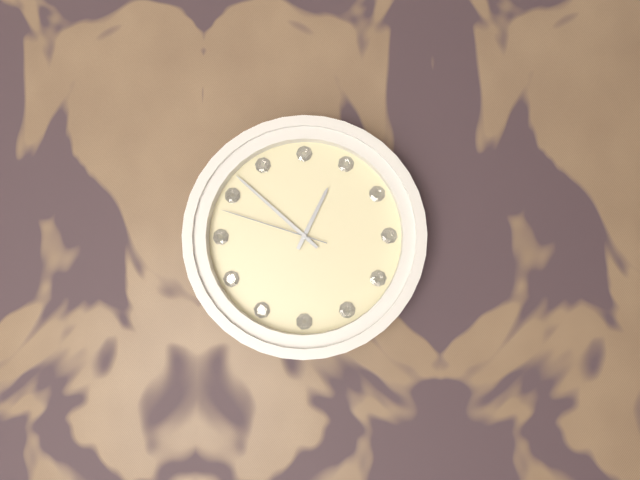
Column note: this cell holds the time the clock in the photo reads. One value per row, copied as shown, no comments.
12:52:48
